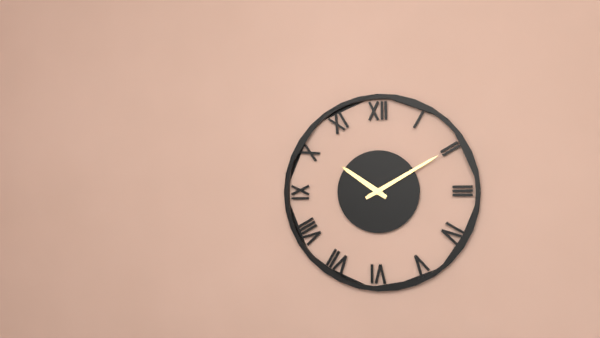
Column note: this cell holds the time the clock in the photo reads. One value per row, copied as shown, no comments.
10:10
